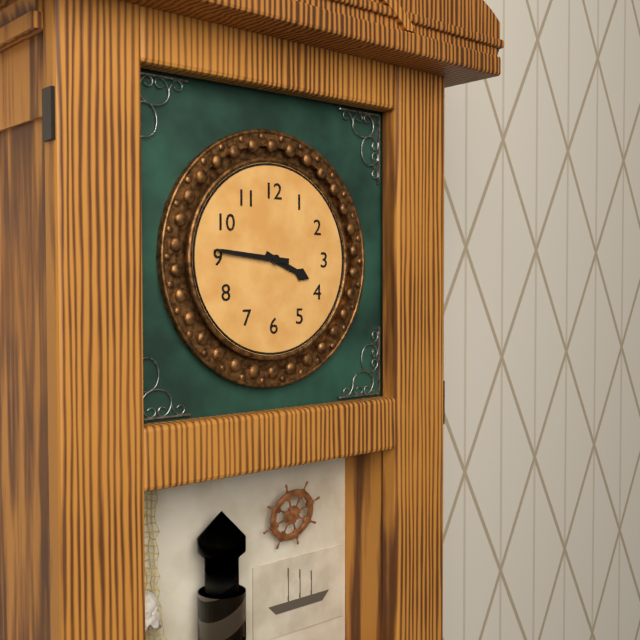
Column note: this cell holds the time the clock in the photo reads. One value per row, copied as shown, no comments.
3:46
